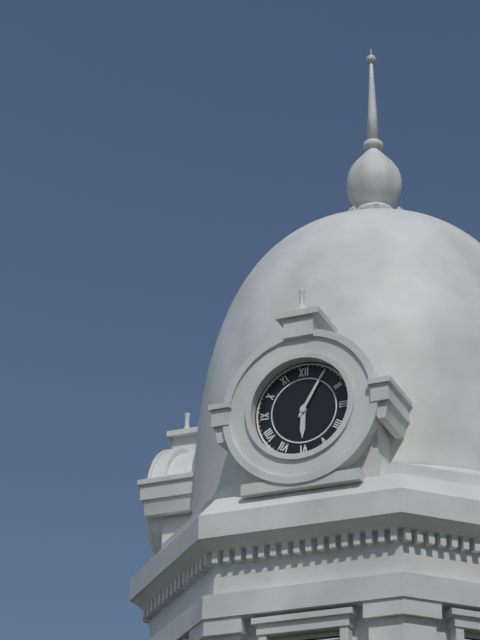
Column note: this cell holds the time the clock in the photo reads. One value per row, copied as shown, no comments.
6:05
